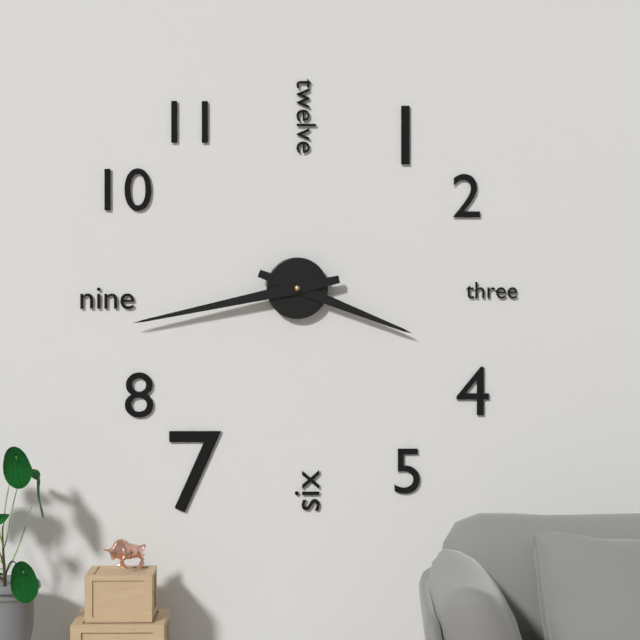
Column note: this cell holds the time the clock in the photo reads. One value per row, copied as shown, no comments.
3:43
